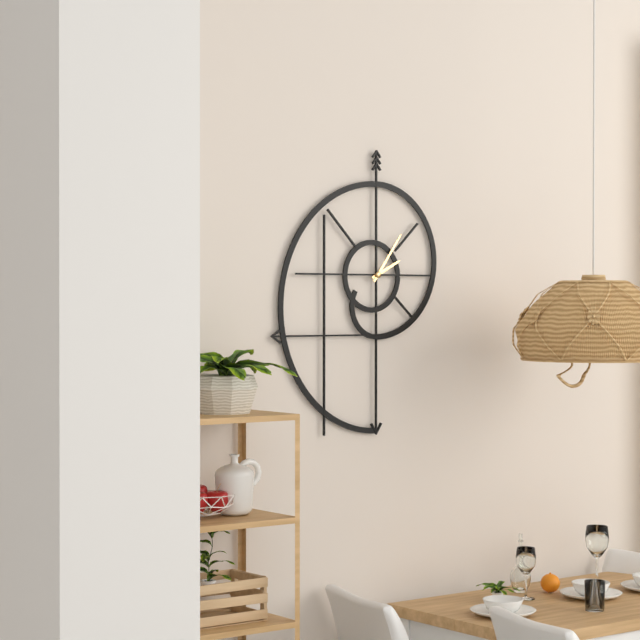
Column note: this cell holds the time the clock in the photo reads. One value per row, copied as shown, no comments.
2:06
